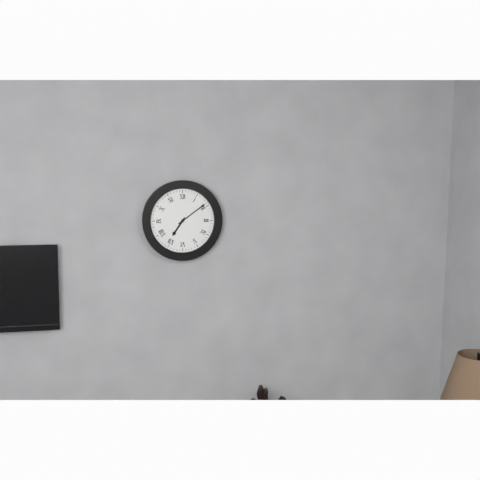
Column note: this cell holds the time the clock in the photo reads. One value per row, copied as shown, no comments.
7:09
